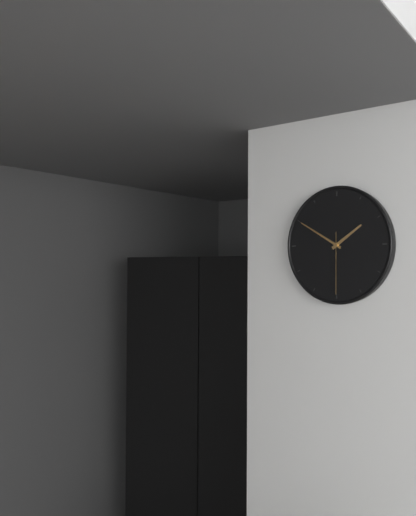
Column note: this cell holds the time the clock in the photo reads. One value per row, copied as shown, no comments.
1:50:30
